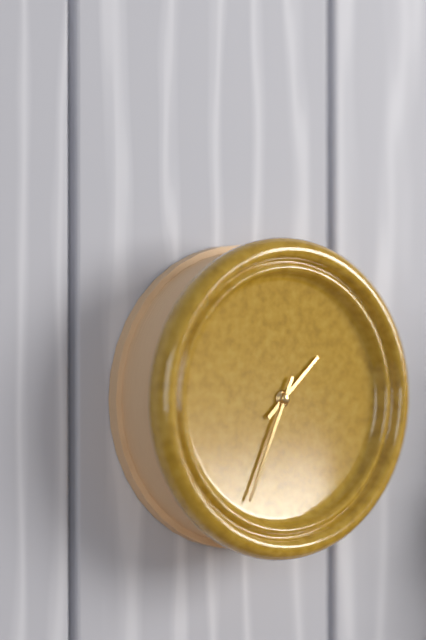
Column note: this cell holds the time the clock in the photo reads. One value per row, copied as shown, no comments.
1:34
